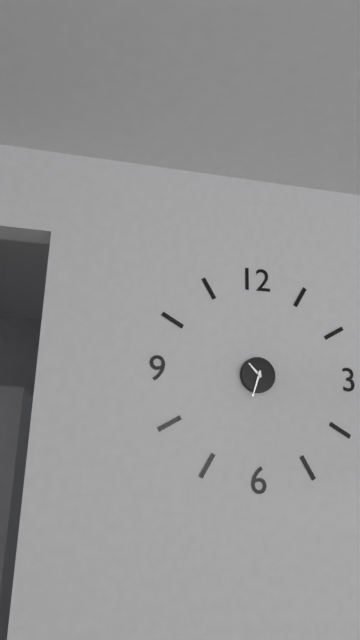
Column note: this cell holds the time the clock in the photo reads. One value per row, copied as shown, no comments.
10:33
